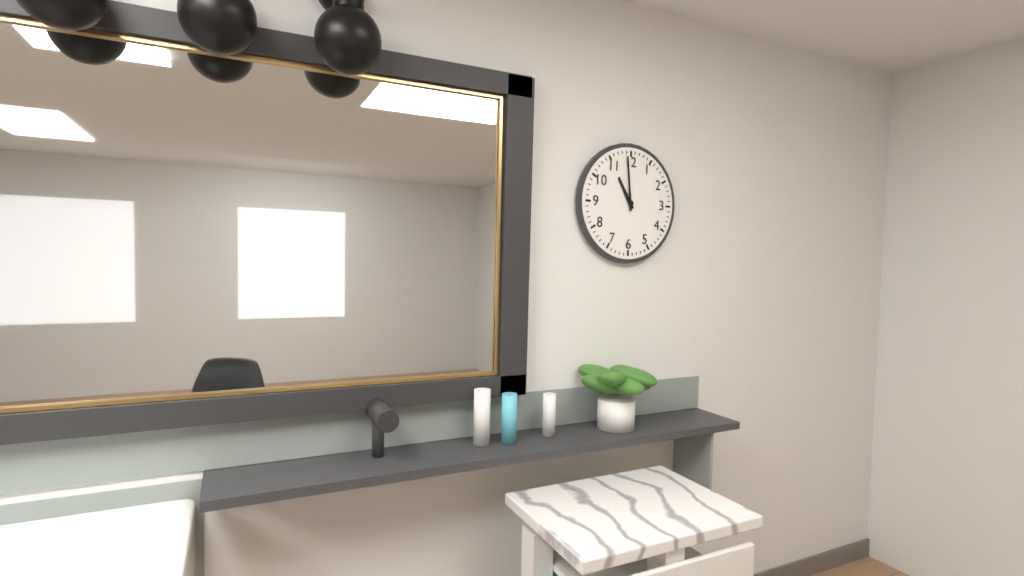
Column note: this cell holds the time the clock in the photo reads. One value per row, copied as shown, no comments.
10:59
